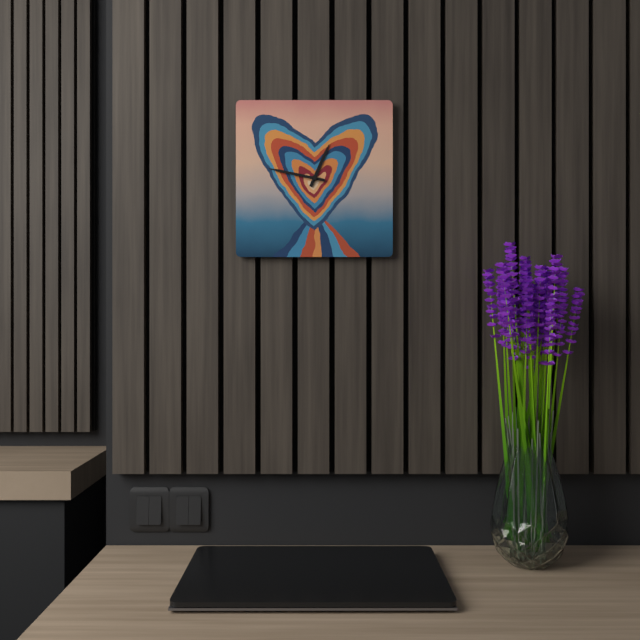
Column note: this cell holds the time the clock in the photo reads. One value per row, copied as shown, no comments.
12:47
